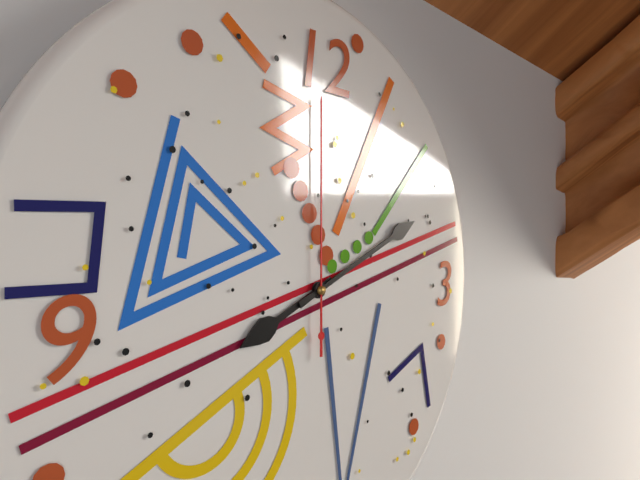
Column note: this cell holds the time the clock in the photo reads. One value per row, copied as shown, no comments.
8:11:00
